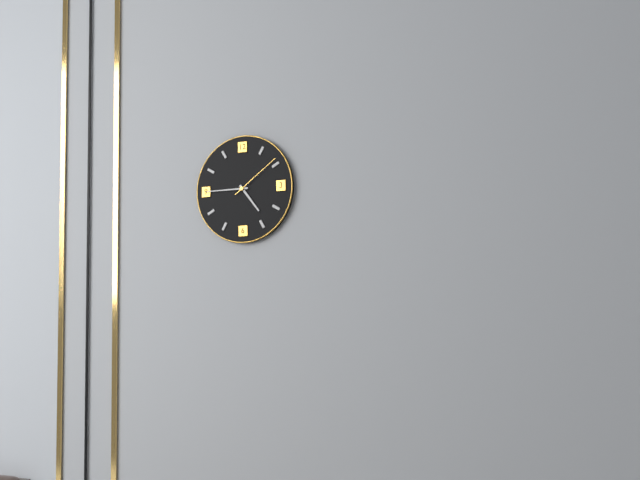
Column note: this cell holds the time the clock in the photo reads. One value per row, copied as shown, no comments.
4:45:09
